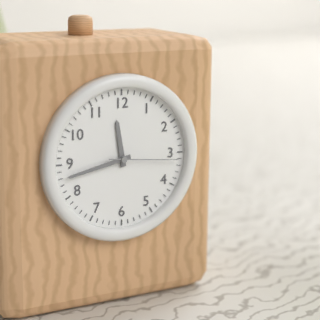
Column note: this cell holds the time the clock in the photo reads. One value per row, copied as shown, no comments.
11:43:16
